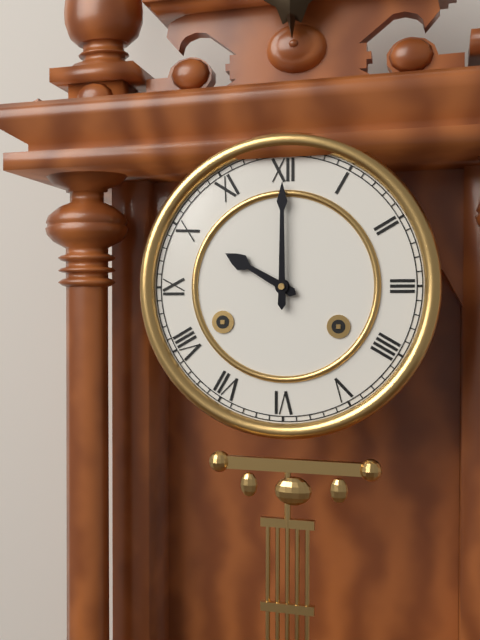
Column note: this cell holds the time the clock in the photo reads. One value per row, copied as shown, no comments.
10:00
